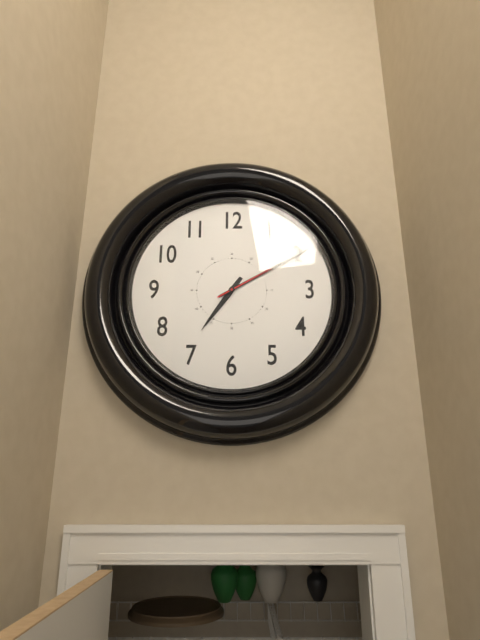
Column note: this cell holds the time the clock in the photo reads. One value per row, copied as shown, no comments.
7:10:10
